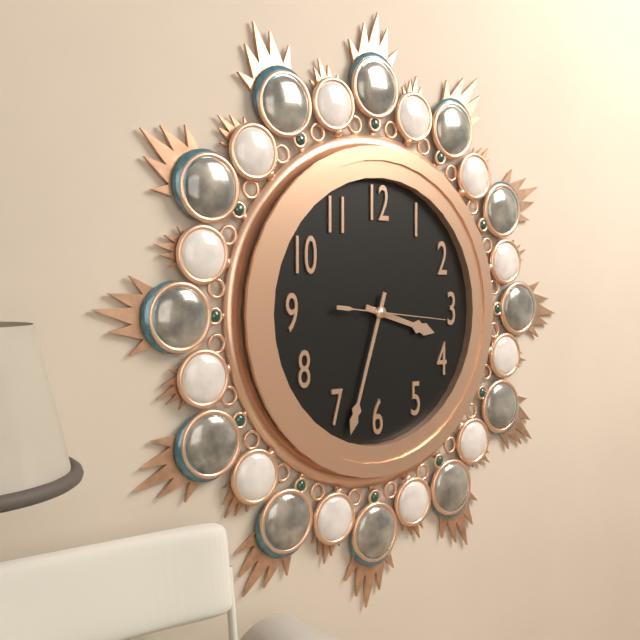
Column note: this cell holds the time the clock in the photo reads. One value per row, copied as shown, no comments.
3:33:16
